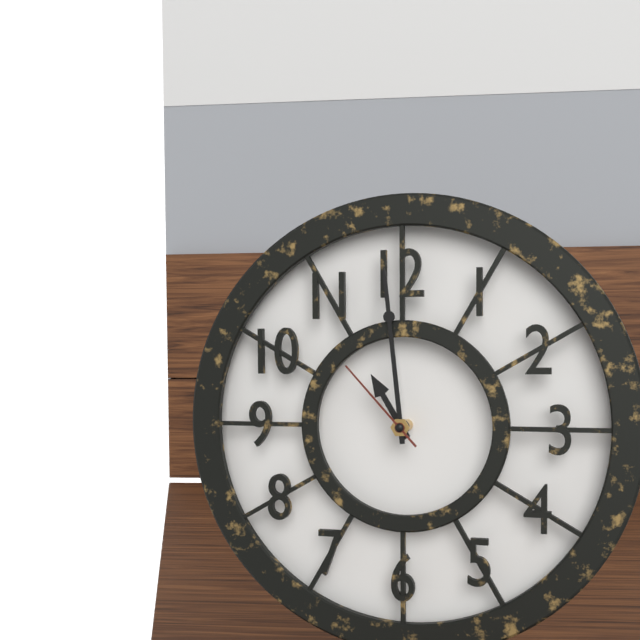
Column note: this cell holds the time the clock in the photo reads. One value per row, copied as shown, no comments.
10:59:53
